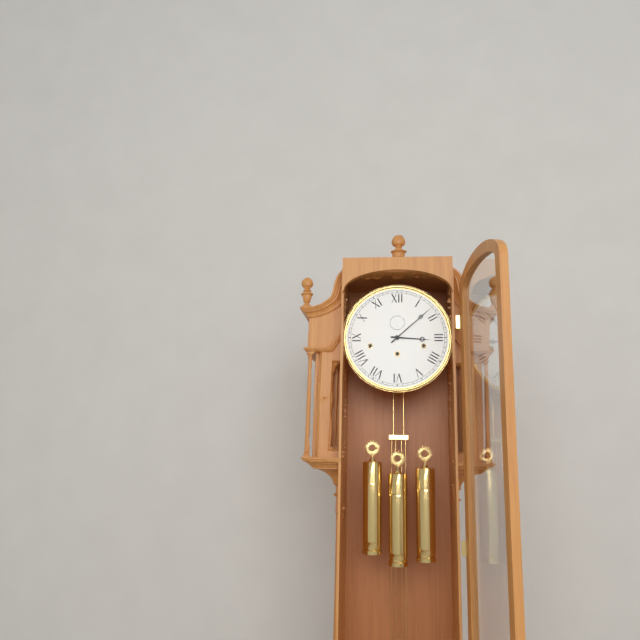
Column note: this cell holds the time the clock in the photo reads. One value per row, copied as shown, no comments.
3:08
